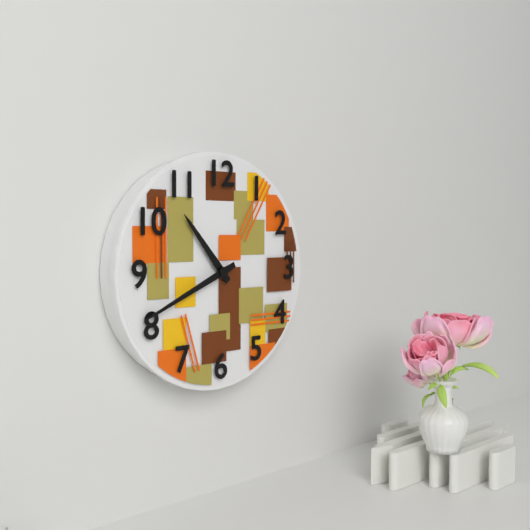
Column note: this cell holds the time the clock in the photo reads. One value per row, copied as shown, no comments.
10:41
